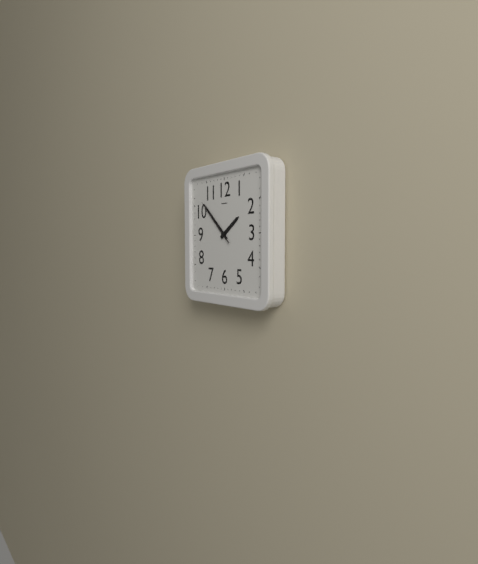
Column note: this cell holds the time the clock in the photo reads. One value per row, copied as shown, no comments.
1:52
